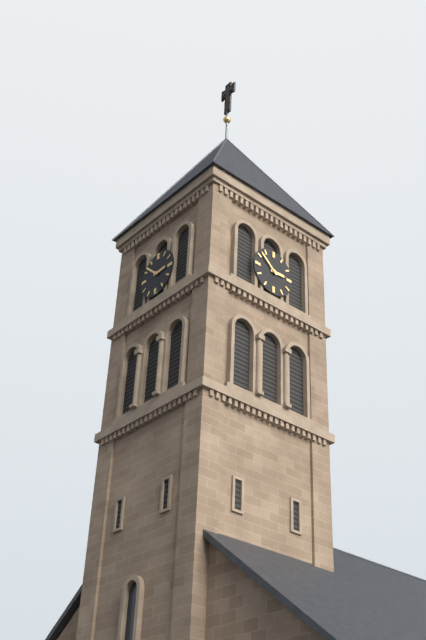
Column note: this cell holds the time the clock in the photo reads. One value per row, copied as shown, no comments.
2:52
